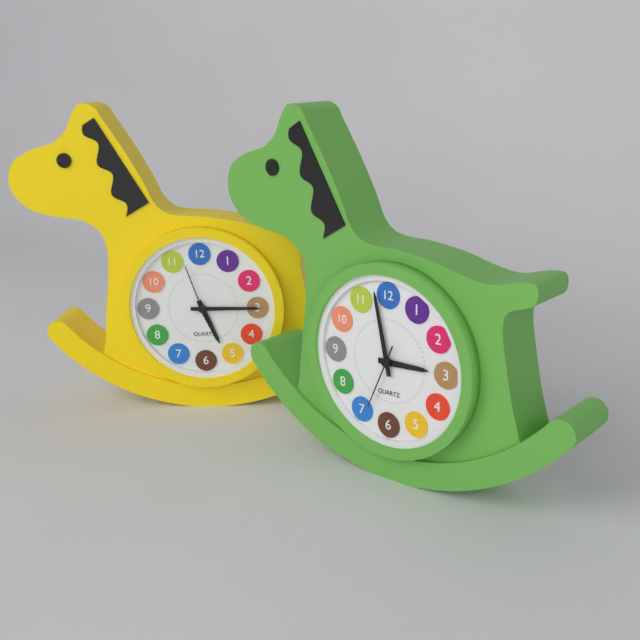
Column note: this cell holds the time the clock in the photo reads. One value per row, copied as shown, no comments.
2:58:34
